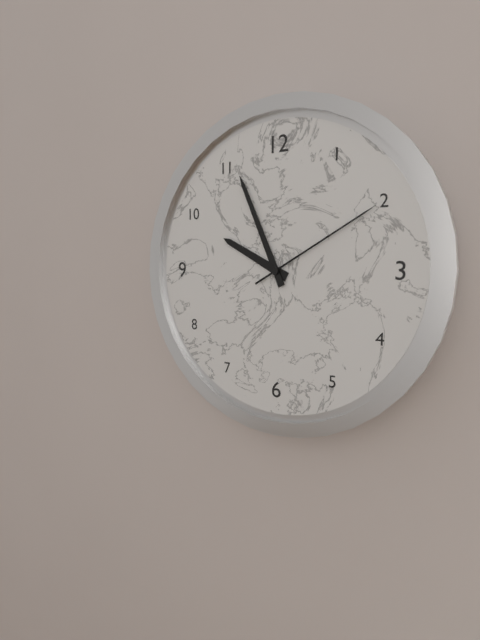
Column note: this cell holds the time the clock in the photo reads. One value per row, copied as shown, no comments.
9:56:10
